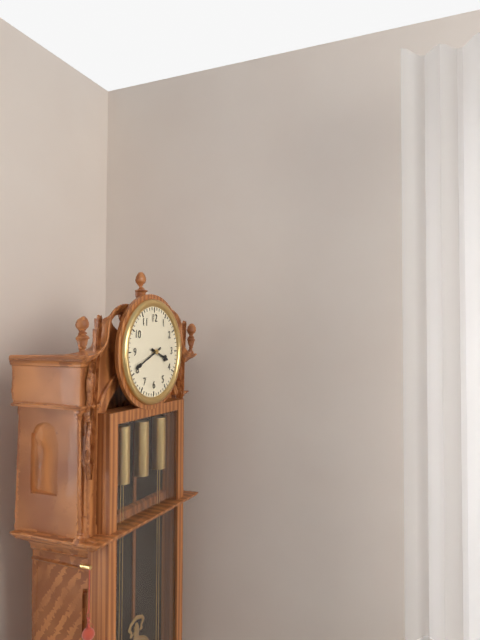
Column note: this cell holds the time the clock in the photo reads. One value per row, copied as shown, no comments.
3:41
